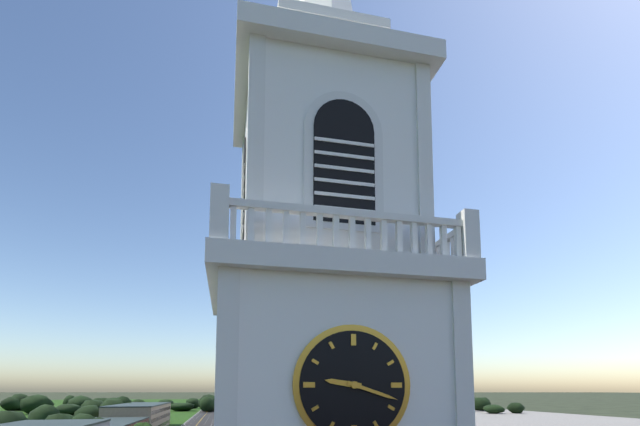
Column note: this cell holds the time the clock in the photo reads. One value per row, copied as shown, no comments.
9:18
